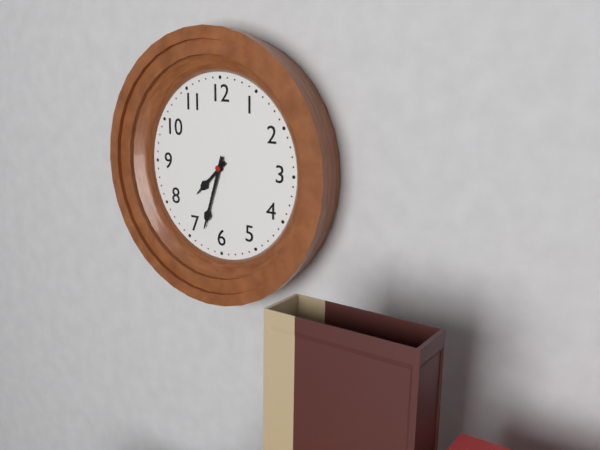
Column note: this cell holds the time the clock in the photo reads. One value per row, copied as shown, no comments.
7:33
